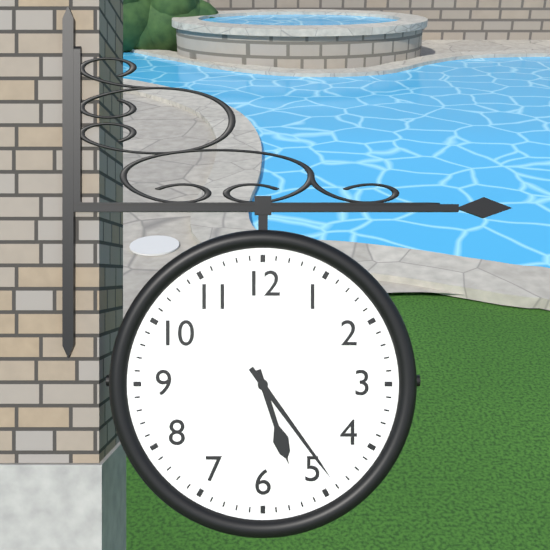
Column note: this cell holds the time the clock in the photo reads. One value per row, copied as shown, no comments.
5:24
